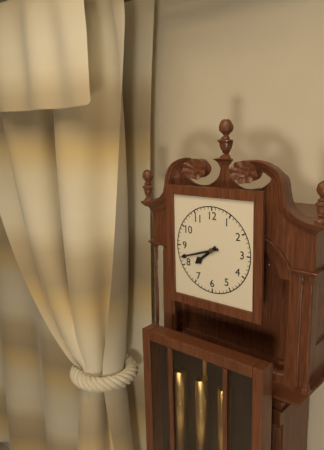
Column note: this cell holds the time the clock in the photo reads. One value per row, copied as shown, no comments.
7:42
